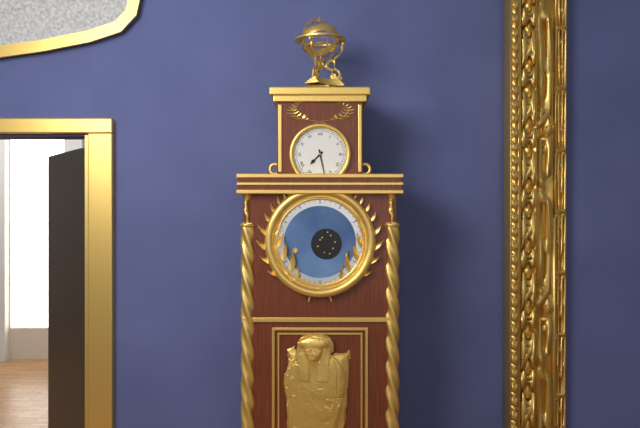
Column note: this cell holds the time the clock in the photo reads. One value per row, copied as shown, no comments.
7:28
